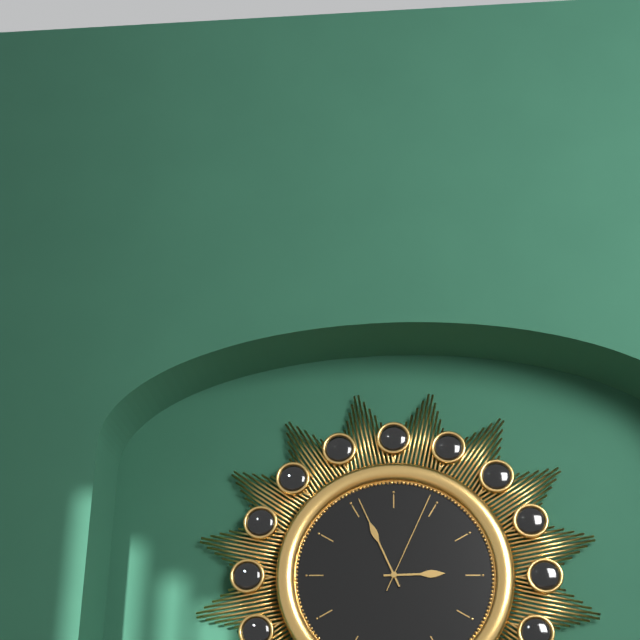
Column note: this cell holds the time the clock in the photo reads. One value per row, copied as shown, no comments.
2:56:04
